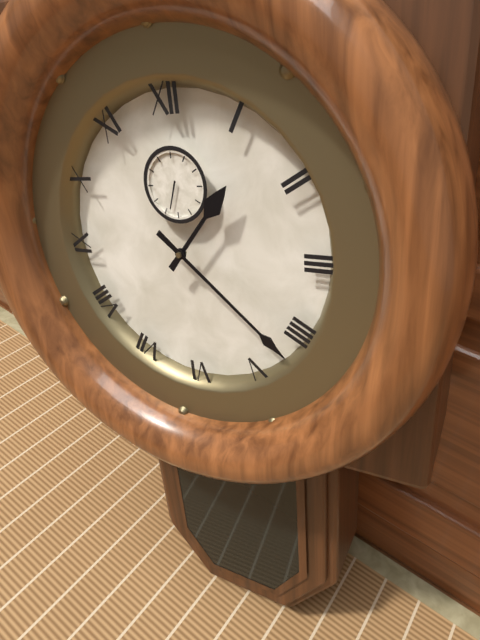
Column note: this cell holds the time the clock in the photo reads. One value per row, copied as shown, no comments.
1:22
